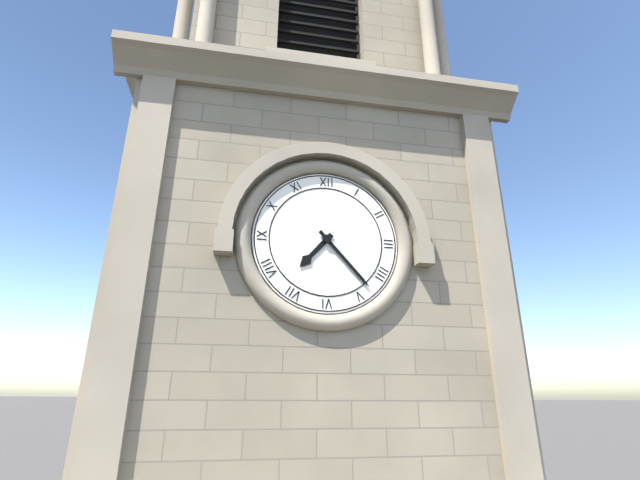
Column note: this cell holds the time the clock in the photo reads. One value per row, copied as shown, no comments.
7:23
